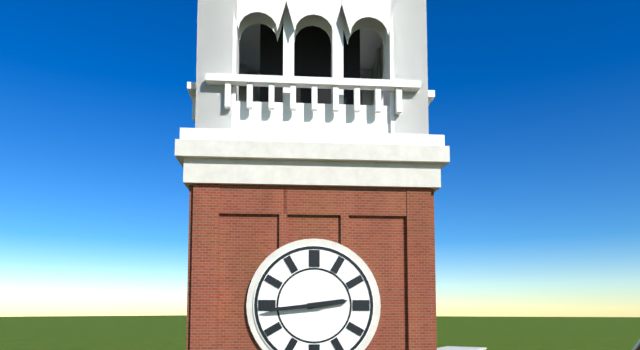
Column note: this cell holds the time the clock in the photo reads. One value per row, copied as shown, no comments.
2:44
